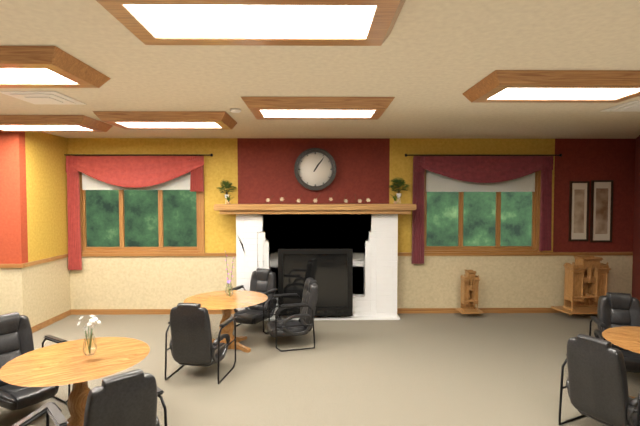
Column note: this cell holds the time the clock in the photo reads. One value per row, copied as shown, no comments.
1:06
